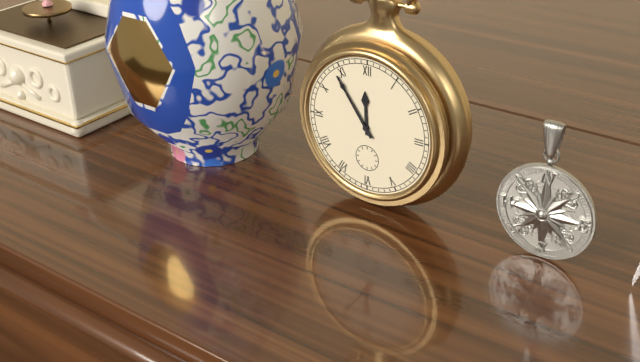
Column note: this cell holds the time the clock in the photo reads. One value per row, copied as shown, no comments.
11:54
